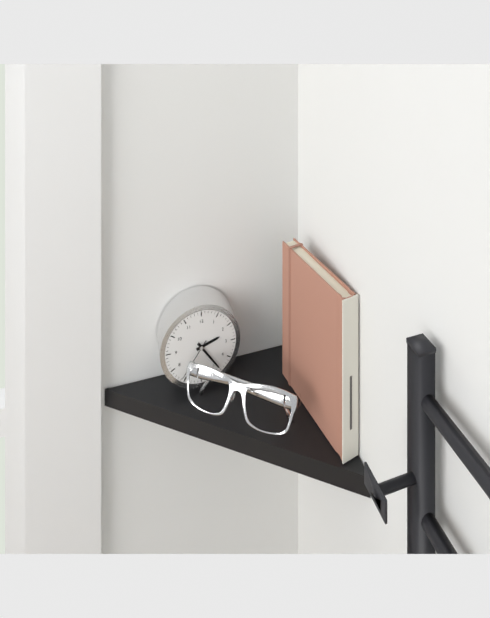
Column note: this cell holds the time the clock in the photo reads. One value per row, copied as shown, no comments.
2:24
